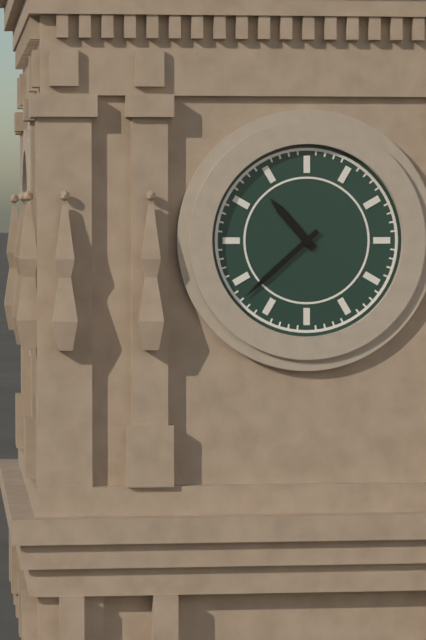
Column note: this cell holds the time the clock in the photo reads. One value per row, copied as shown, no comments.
10:38
